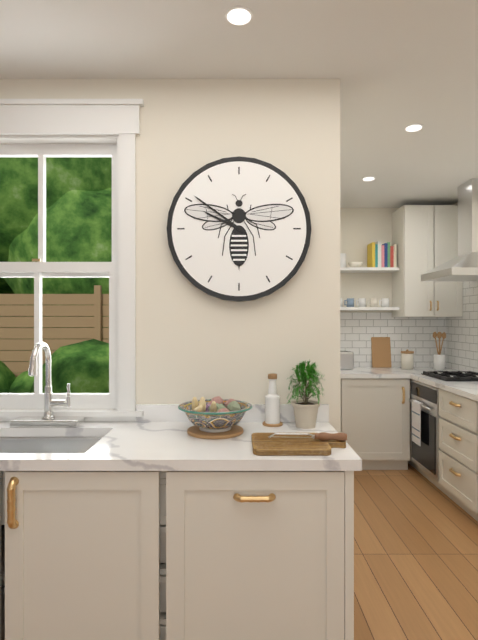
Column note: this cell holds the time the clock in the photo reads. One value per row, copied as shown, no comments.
9:51
